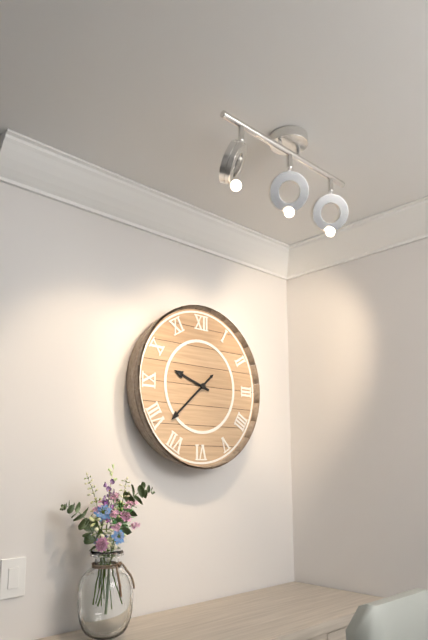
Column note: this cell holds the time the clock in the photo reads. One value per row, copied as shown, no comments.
9:38
